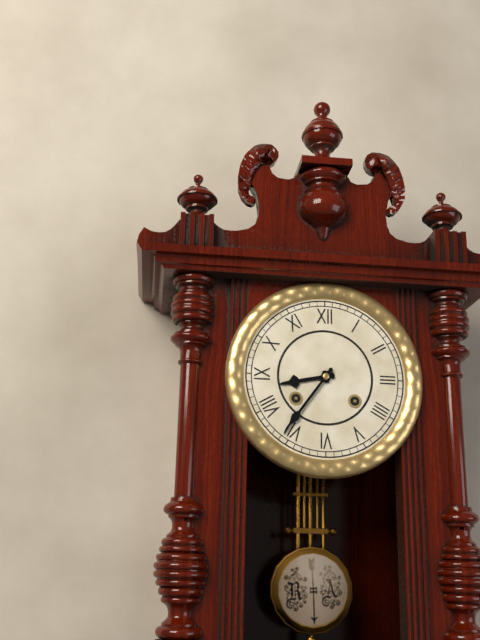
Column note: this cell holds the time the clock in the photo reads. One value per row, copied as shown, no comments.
8:36
